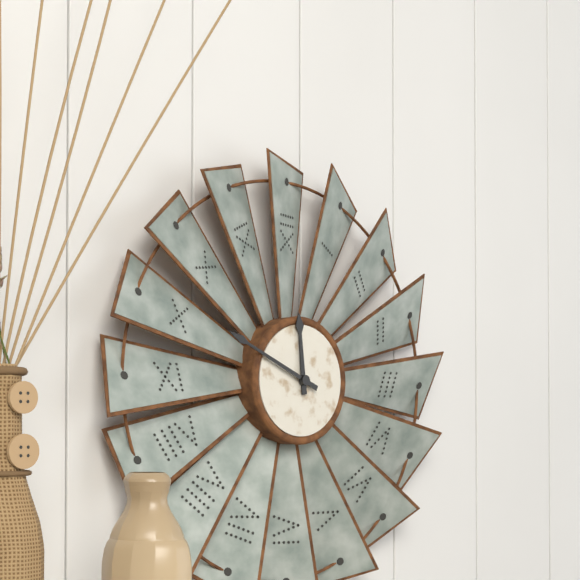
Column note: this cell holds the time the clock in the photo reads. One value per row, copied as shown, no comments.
11:49
